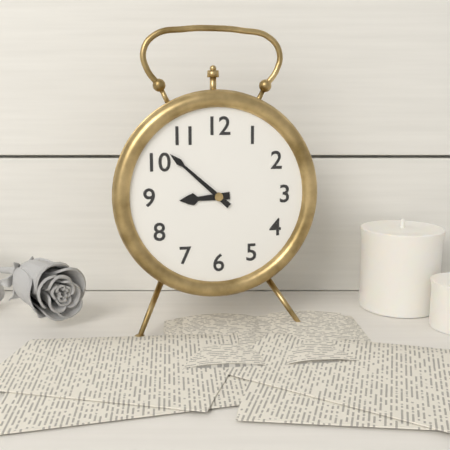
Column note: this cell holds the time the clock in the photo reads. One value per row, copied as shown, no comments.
8:52
